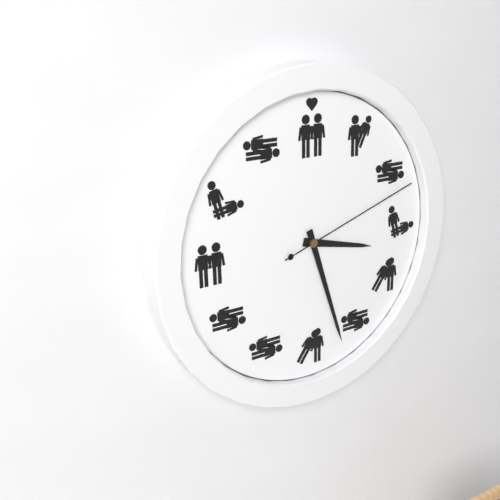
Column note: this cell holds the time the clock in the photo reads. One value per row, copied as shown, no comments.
3:27:12
